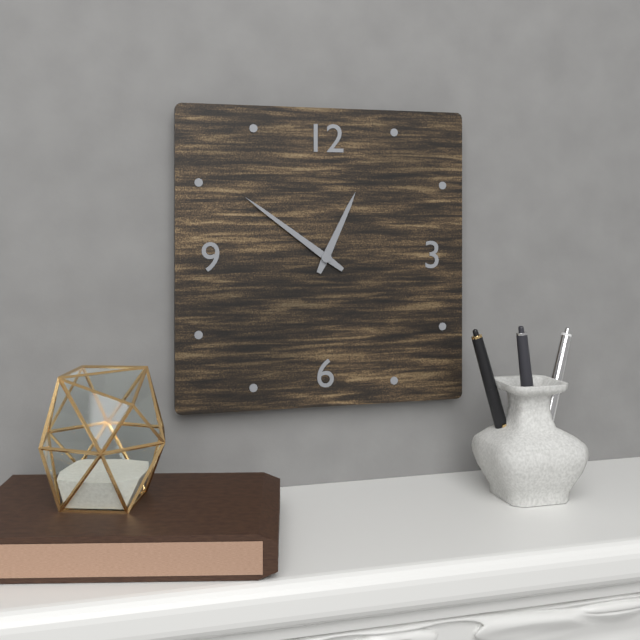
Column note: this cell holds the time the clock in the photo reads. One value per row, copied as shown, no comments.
12:51
